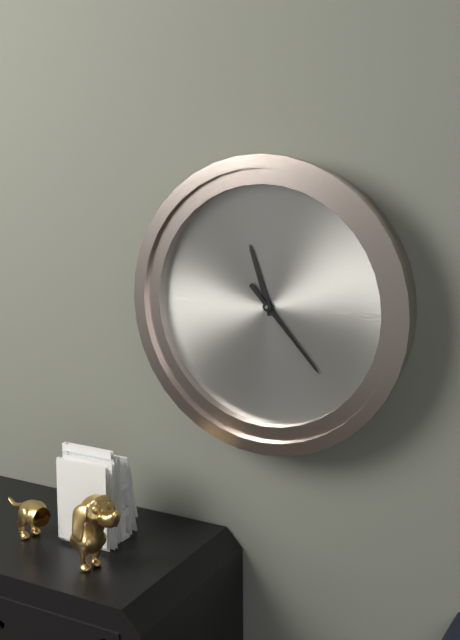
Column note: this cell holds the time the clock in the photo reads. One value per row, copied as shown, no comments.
11:23
